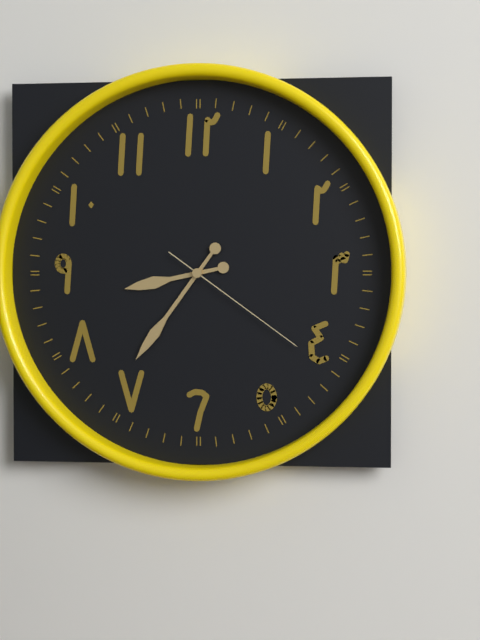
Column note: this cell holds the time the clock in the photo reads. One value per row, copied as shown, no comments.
8:36:21
